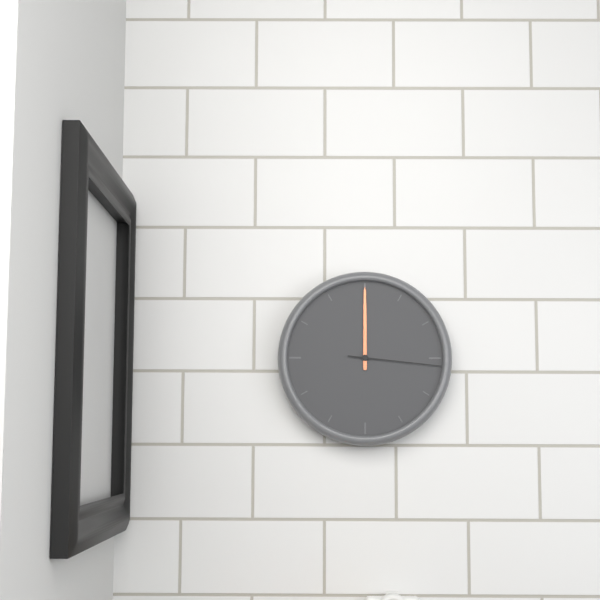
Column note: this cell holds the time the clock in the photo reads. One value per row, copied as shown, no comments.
12:00:16
